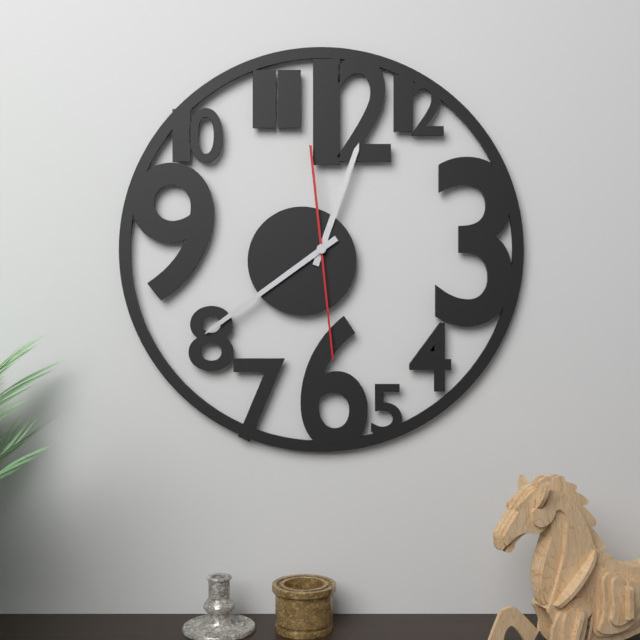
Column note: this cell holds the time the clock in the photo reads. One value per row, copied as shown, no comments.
12:39:29
